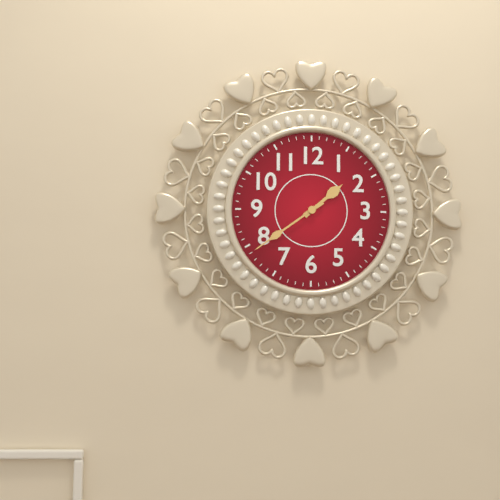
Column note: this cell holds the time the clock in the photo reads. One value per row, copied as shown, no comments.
1:39
